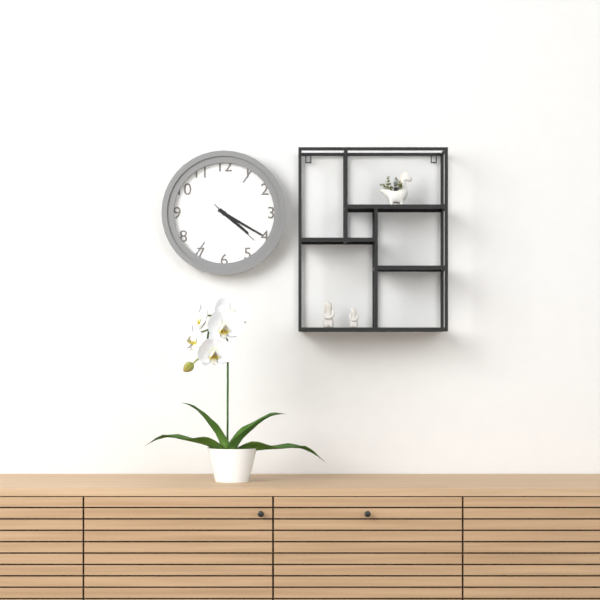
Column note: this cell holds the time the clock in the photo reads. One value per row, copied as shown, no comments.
4:20:22
